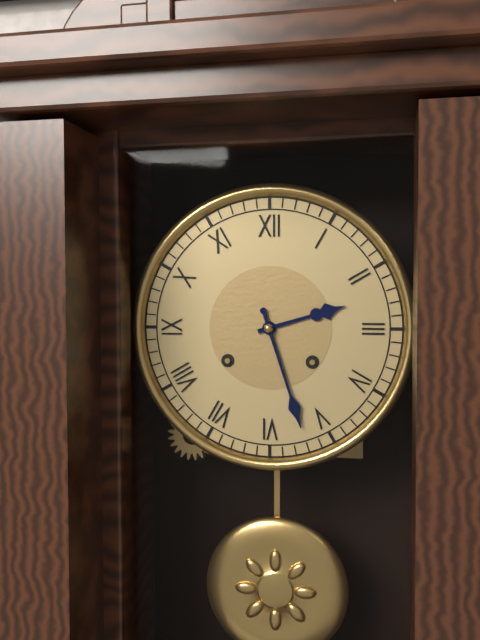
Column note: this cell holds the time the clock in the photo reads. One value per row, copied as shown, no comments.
2:27
